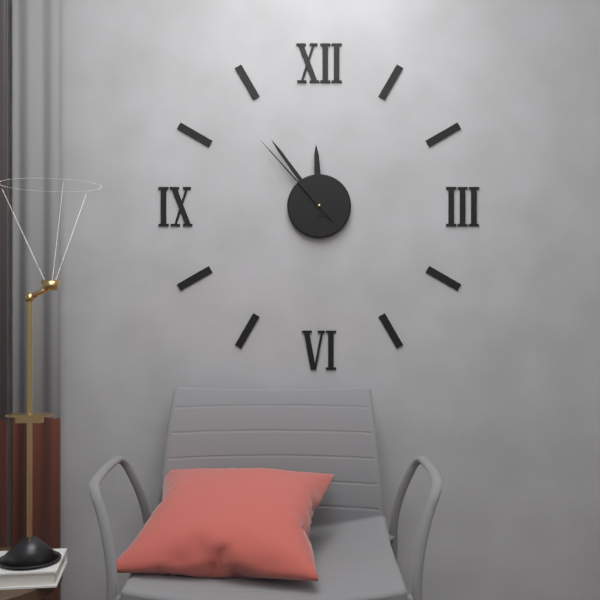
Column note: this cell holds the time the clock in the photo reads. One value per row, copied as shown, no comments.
11:54:53
